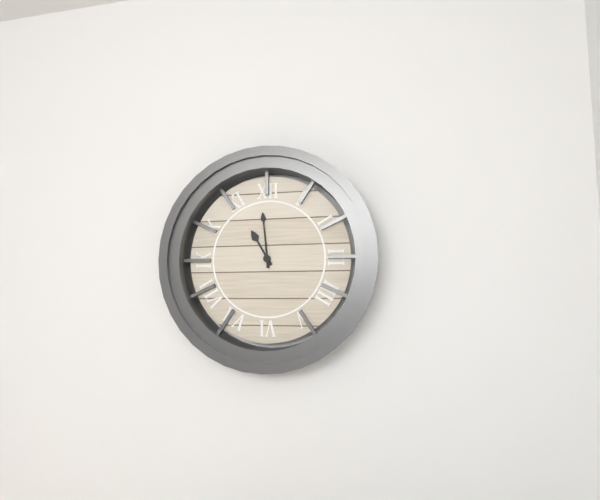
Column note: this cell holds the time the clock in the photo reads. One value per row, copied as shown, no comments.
10:59
